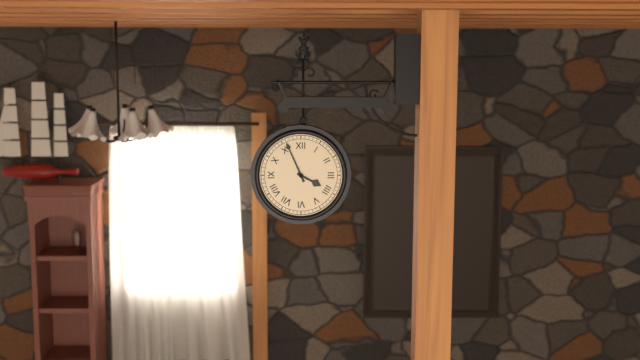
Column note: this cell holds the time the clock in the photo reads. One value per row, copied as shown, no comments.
3:56
